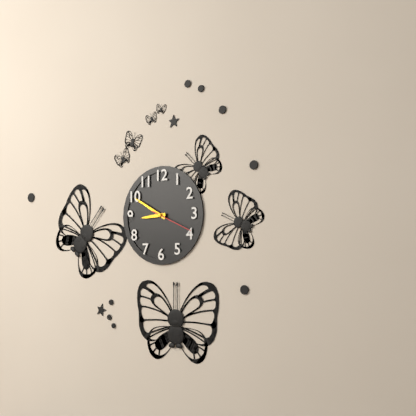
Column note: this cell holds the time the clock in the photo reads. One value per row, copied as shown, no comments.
8:50
